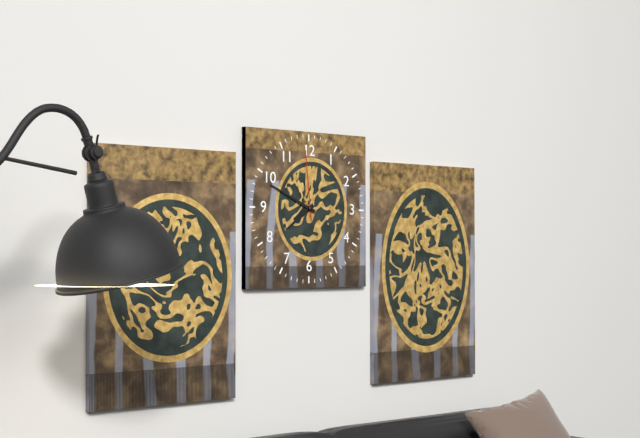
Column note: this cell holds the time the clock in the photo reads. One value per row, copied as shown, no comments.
7:49:59
